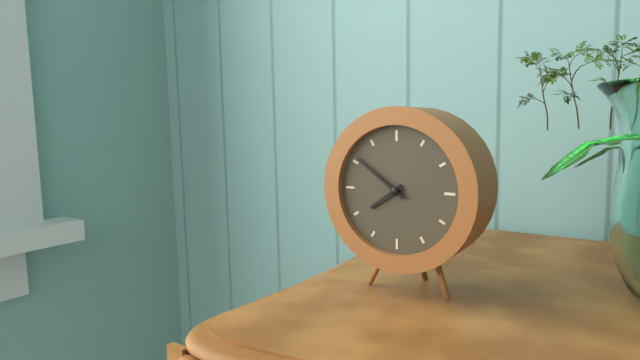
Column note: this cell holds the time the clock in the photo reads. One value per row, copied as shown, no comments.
7:51
